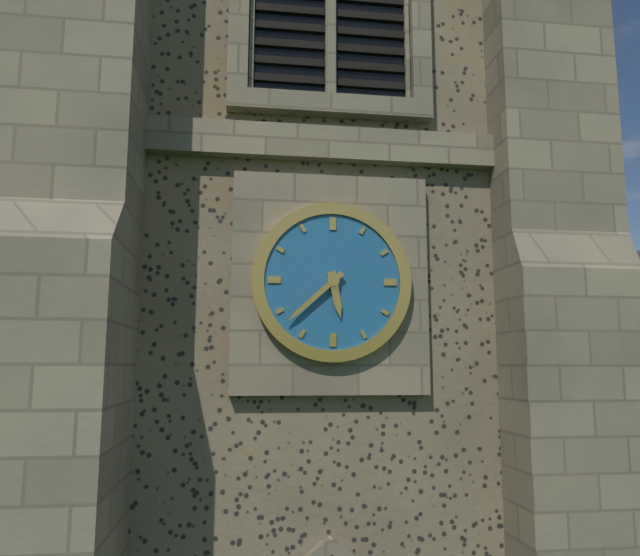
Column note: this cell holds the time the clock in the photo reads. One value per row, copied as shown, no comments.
5:38
